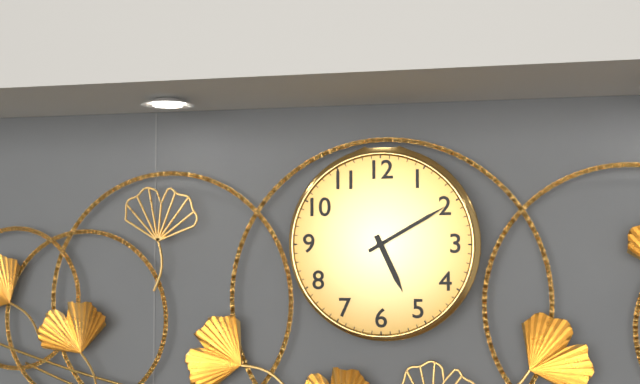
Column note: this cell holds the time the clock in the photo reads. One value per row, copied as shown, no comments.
5:10
